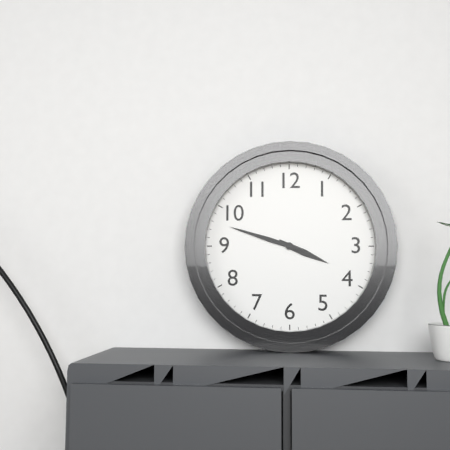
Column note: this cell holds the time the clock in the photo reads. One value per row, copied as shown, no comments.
3:48
